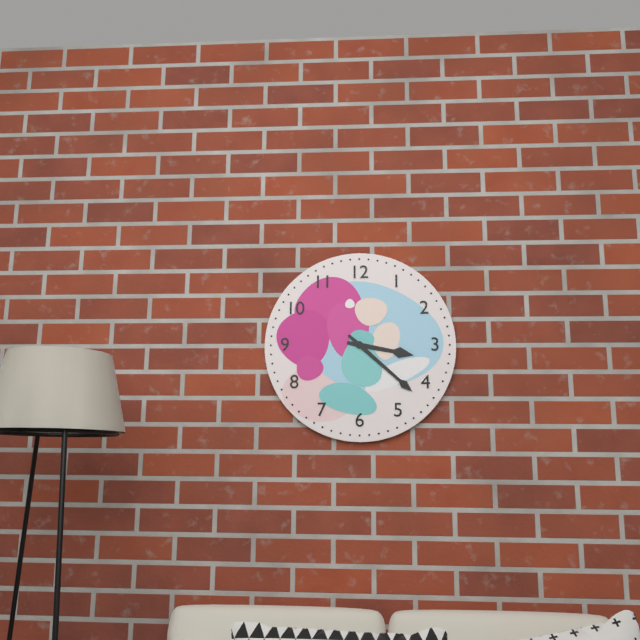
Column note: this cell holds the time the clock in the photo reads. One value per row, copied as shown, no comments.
3:22
